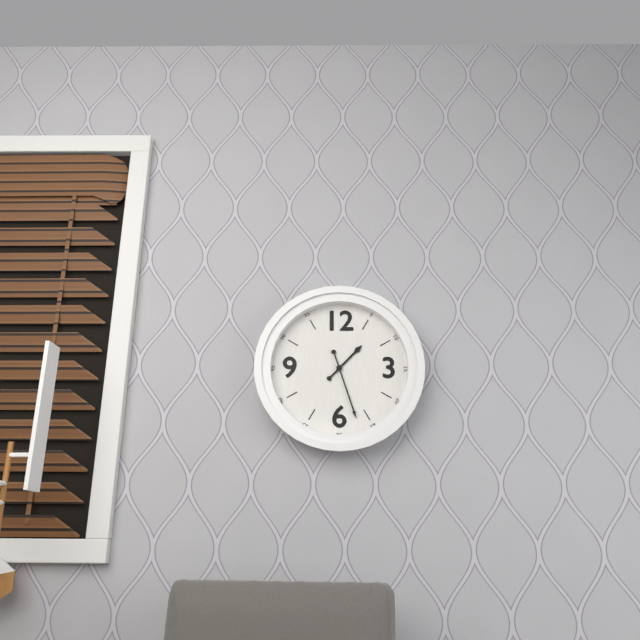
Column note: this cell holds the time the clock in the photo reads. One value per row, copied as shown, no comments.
1:27
